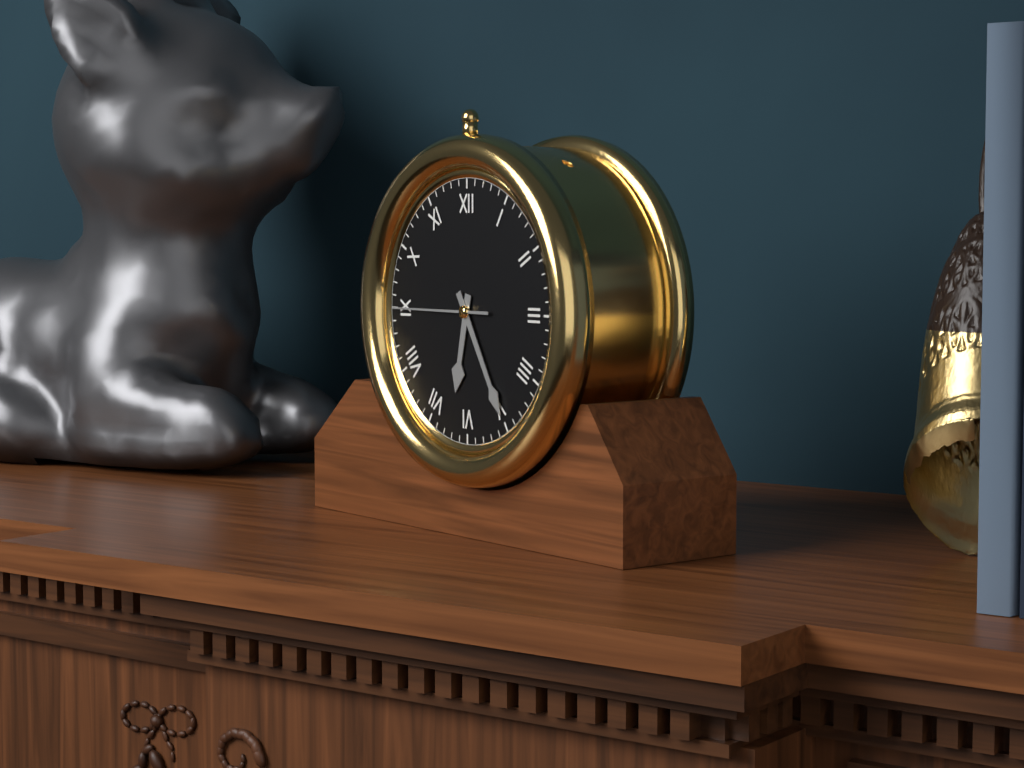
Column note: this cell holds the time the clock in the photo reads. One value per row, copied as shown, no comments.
6:25:45
